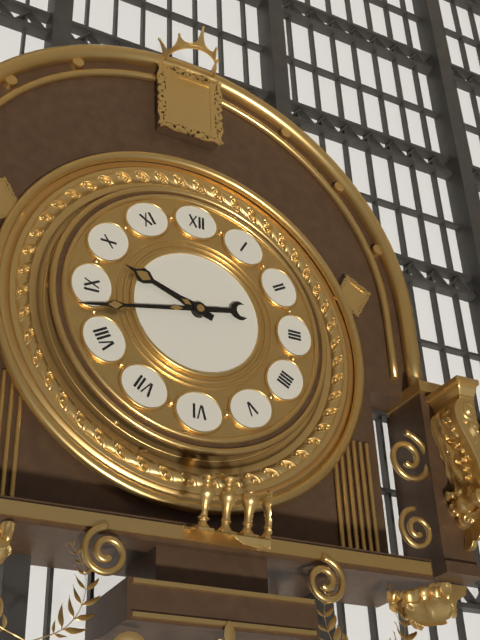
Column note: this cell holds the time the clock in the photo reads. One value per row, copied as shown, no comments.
9:43
